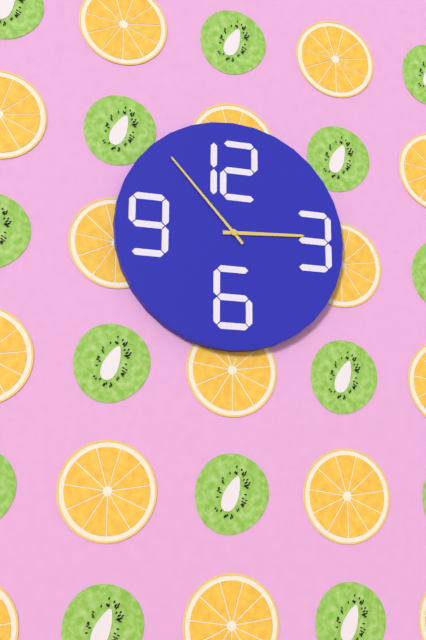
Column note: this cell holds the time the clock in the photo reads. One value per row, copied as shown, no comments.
2:53
